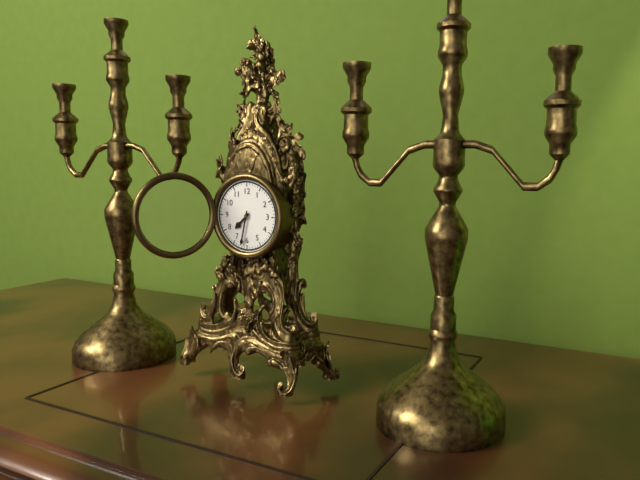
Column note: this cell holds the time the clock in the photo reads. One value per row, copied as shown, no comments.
7:32
